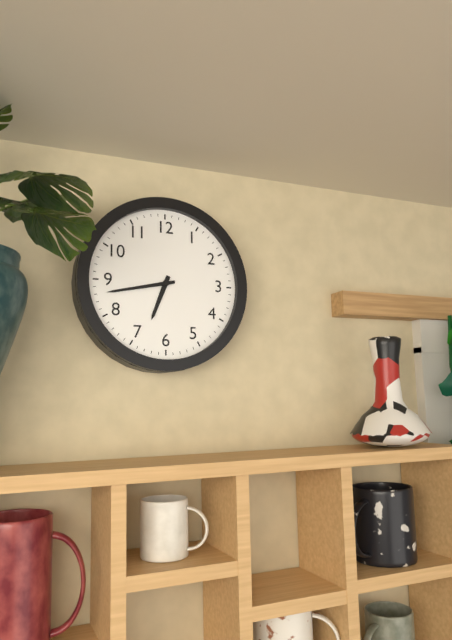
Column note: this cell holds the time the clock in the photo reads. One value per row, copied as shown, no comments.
6:43
